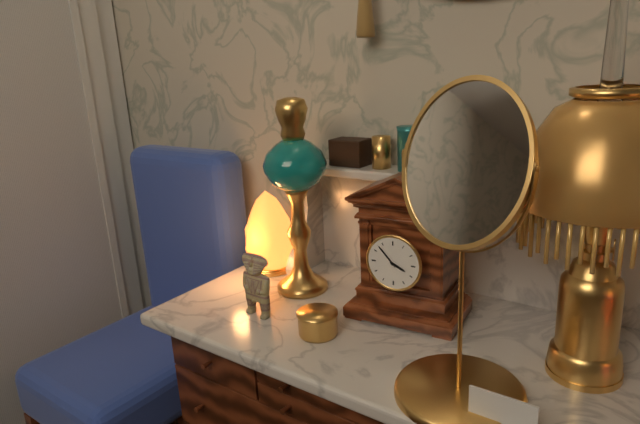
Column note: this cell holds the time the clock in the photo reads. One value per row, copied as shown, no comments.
3:53
